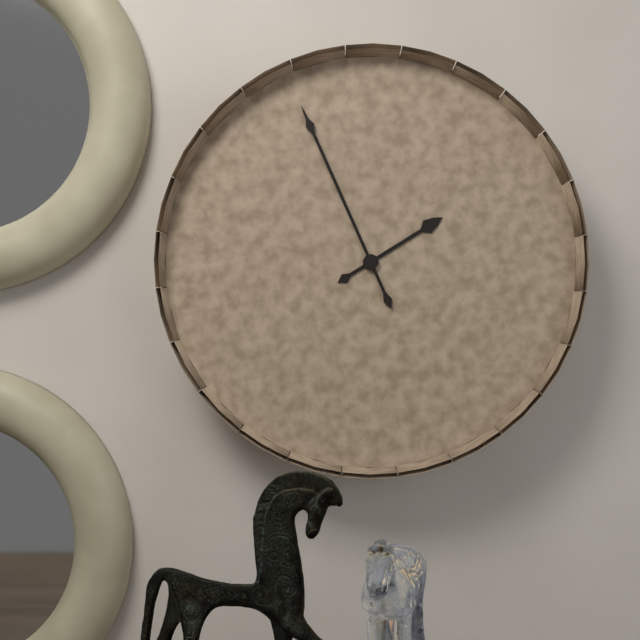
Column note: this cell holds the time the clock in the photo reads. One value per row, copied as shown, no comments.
1:56
